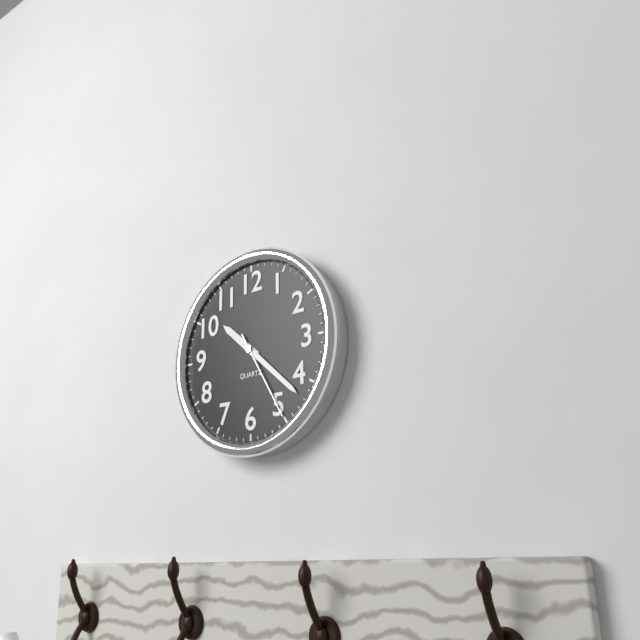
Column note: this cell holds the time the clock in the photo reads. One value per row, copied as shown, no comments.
10:22:25
